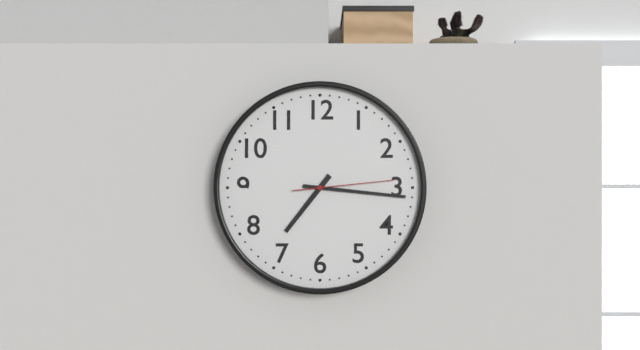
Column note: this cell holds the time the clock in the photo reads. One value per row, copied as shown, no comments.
7:16:14
